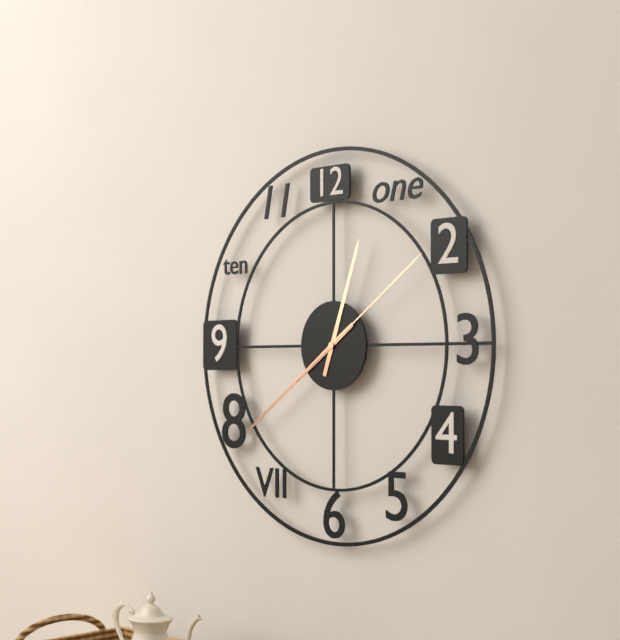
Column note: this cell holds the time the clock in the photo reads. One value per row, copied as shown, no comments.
12:39:09
